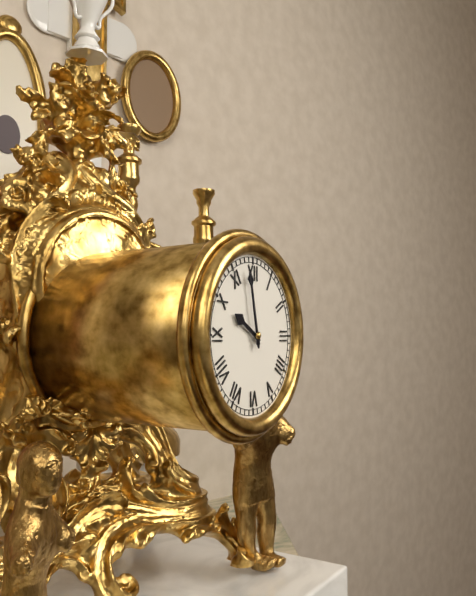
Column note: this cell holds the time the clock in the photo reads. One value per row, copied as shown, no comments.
9:58
